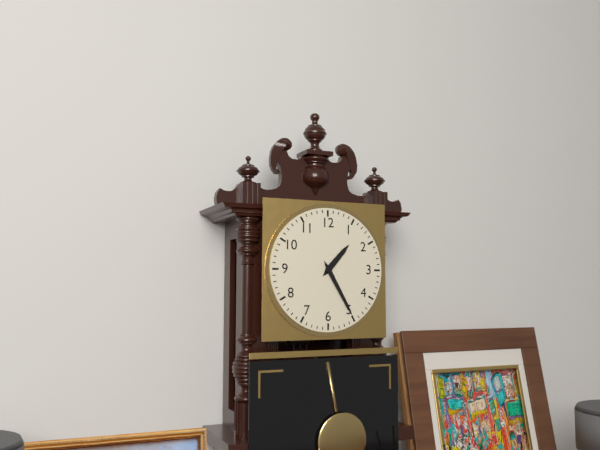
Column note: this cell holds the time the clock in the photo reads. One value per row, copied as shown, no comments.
1:25
